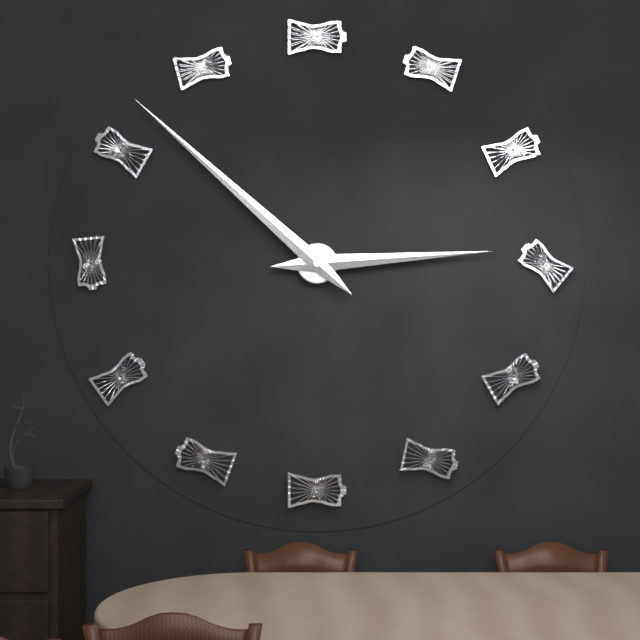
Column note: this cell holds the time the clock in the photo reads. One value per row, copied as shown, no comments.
2:52
